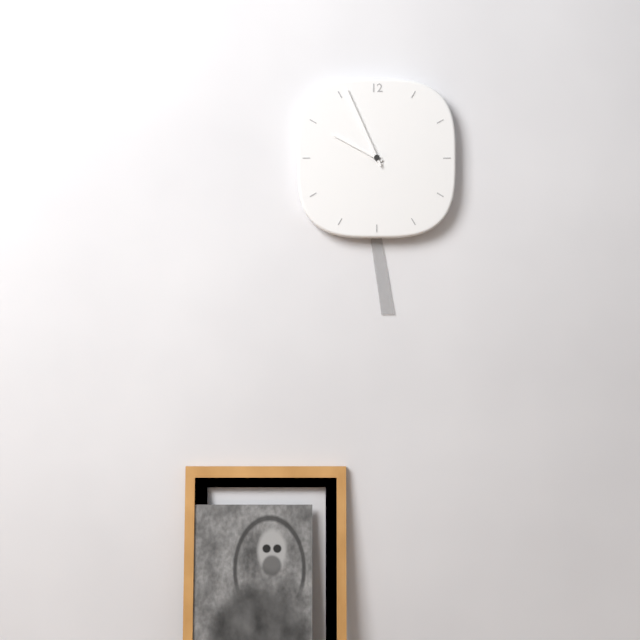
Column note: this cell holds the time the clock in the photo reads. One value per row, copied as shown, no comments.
9:56
